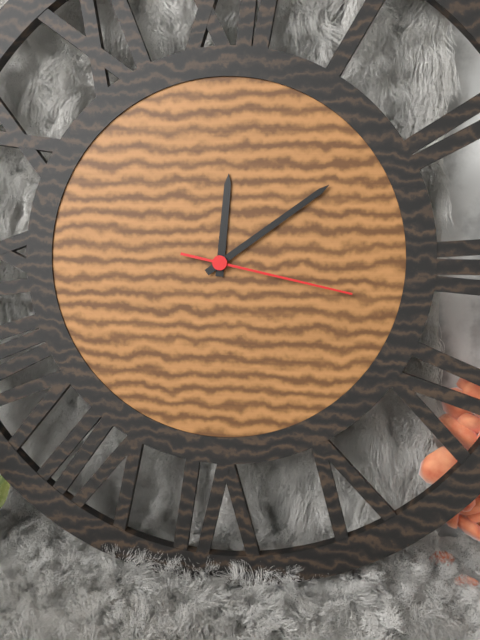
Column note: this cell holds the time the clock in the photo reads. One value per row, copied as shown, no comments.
12:09:17
